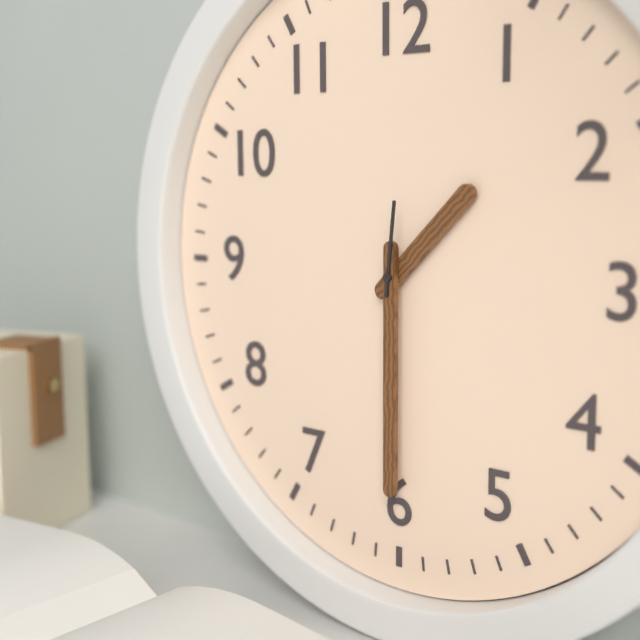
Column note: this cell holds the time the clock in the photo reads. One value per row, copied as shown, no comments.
1:30:01
